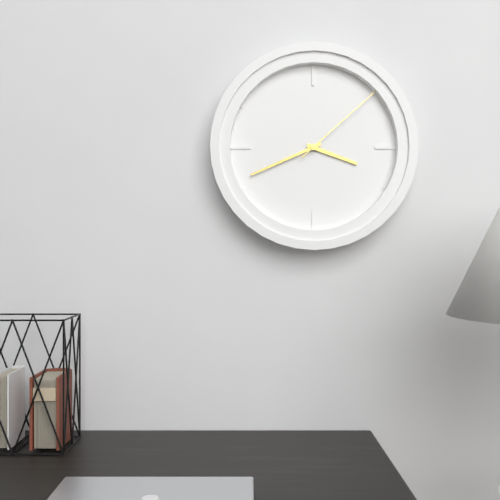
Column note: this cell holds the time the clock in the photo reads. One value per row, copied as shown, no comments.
3:41:08
